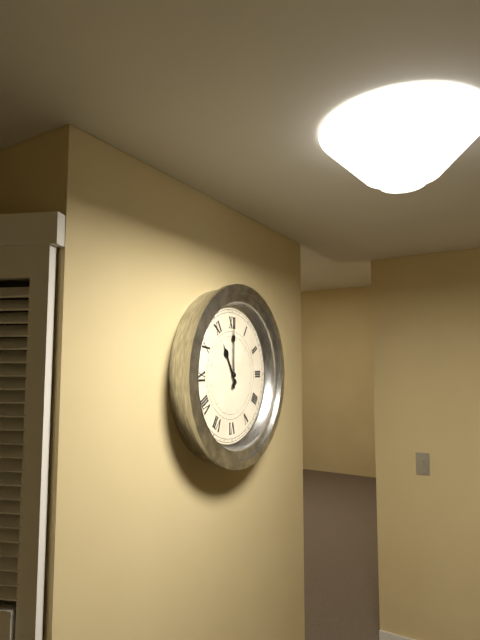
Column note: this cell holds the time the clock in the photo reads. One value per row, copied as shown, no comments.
11:00
